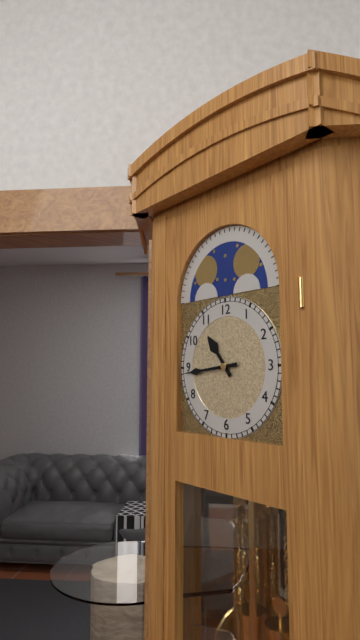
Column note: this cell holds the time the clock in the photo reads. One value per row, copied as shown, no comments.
10:44
